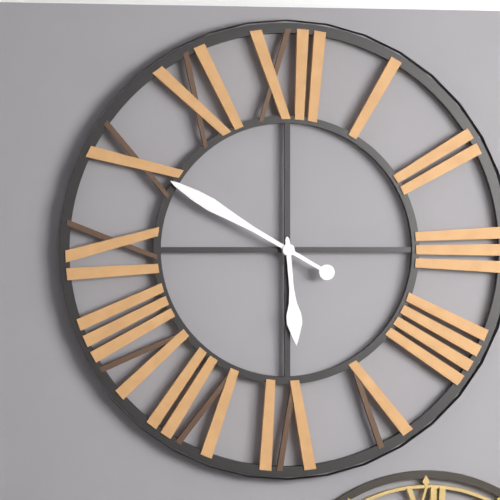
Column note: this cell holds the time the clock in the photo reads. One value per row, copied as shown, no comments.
5:50
